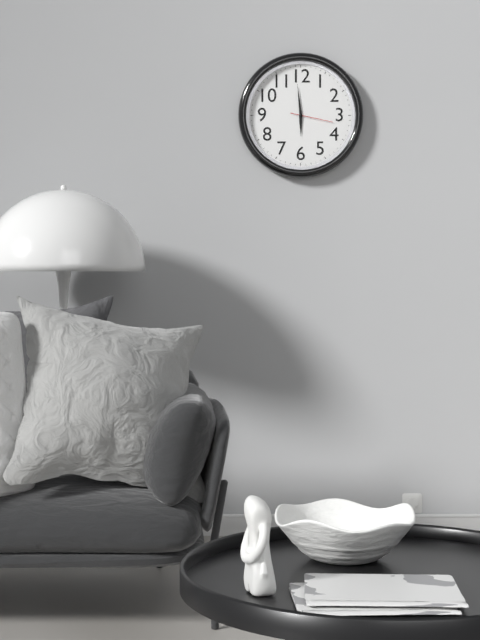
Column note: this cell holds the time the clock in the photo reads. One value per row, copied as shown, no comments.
5:59
